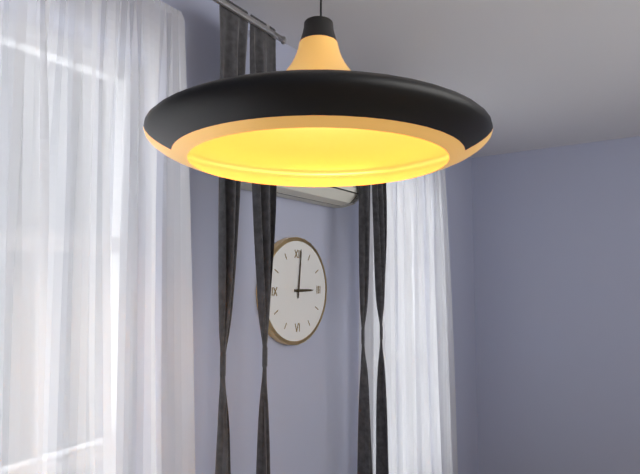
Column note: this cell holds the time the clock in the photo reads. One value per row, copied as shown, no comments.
3:01
